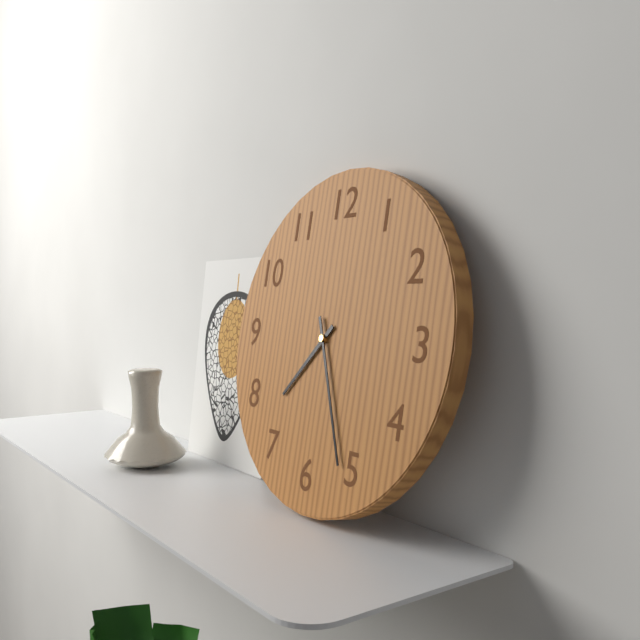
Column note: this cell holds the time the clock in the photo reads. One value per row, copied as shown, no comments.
7:26
